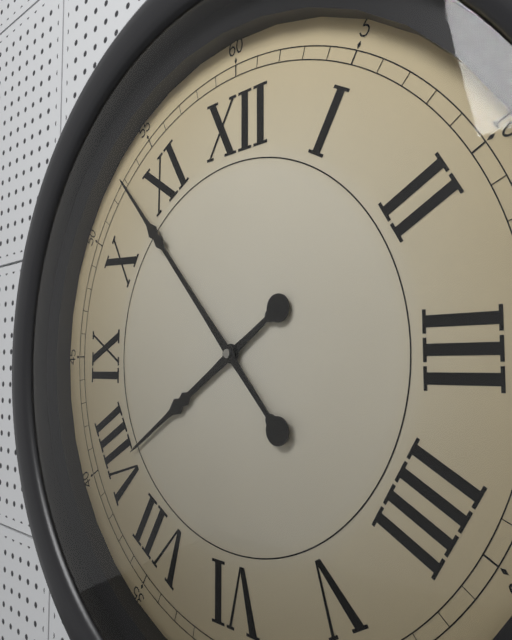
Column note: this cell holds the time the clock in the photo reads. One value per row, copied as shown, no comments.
7:53
